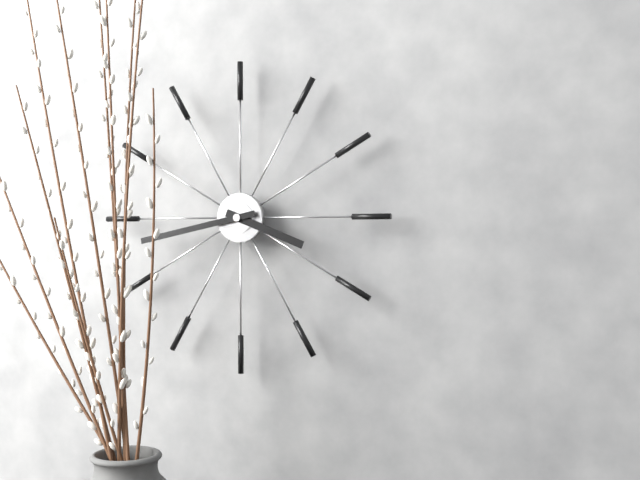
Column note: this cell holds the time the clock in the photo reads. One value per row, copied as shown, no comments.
3:43
